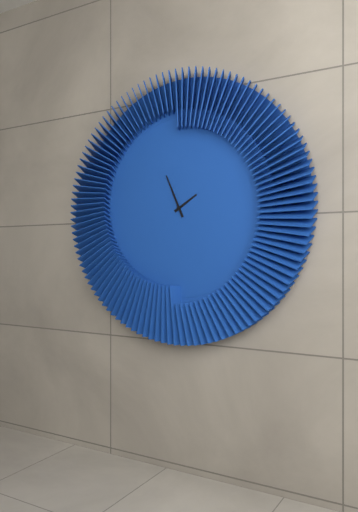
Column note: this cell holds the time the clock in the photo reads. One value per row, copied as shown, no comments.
1:56
